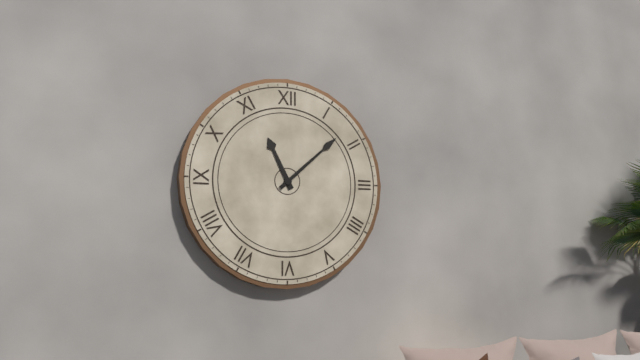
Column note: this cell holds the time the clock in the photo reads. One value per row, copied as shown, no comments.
11:08
